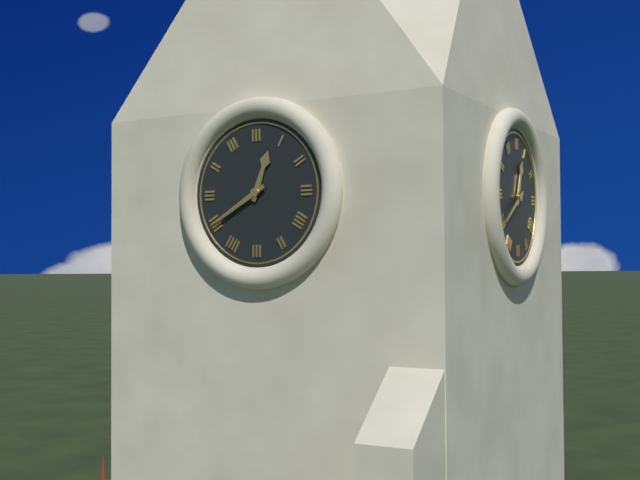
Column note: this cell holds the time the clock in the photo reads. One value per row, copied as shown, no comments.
12:40
